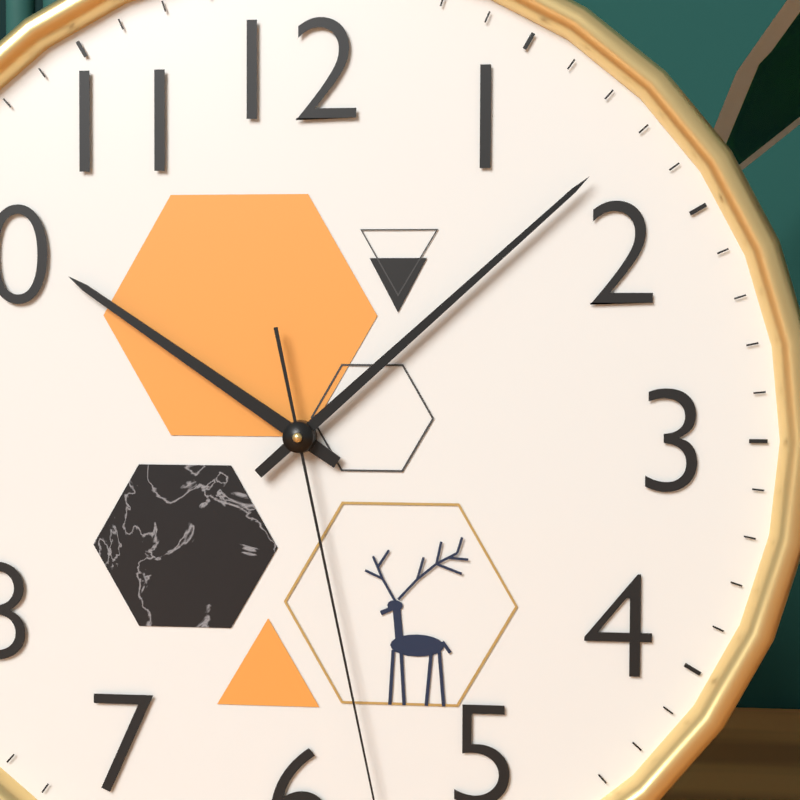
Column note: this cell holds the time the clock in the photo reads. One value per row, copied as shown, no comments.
10:08
